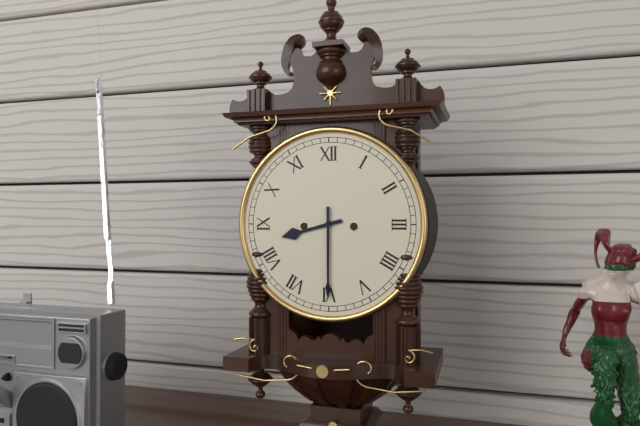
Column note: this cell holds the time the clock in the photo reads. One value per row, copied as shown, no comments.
8:30
